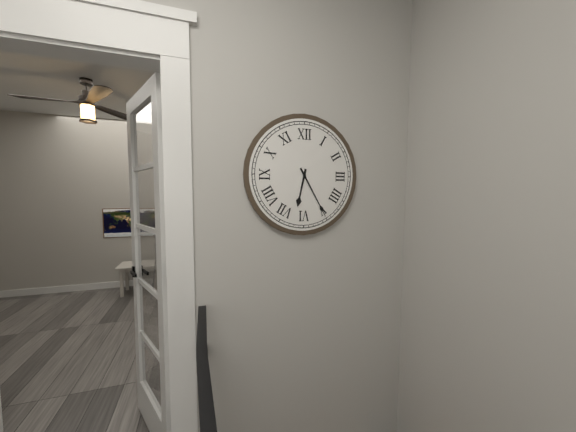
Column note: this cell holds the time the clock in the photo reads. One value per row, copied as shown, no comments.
6:25
